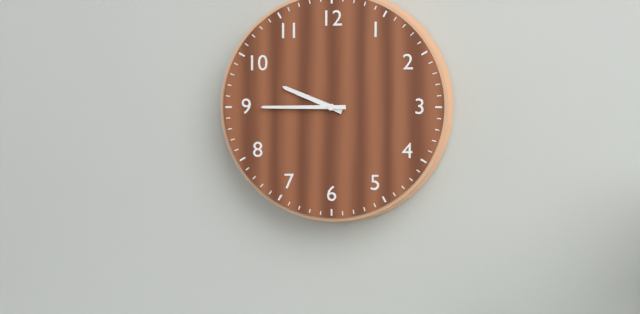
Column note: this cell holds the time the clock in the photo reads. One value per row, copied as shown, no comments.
9:45
